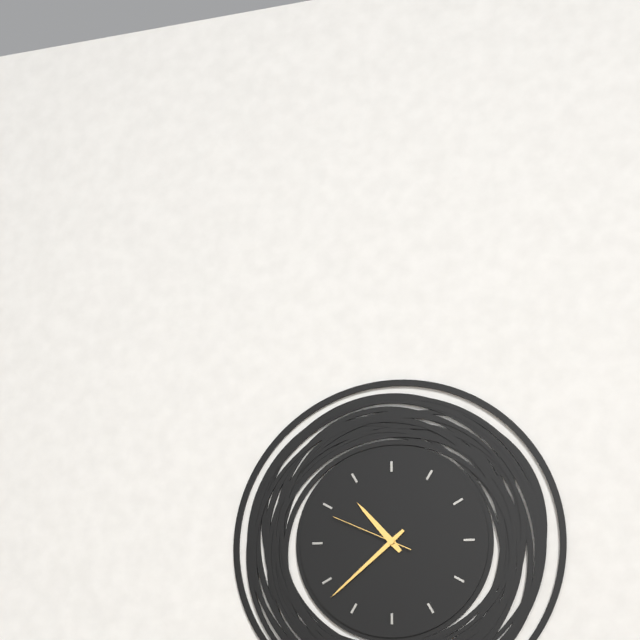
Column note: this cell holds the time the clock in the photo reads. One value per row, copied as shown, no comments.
10:38:49
